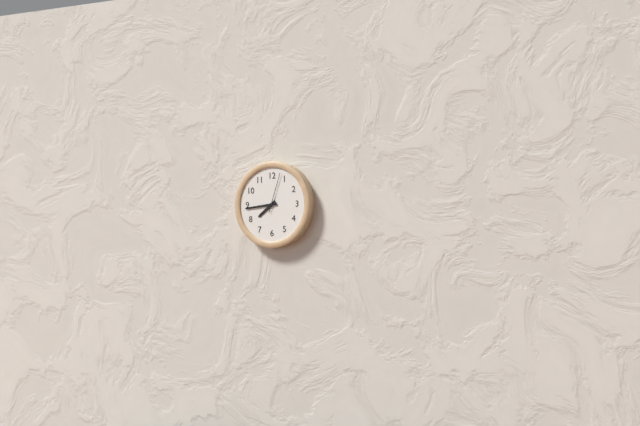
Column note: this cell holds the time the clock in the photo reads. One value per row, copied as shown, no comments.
7:44
